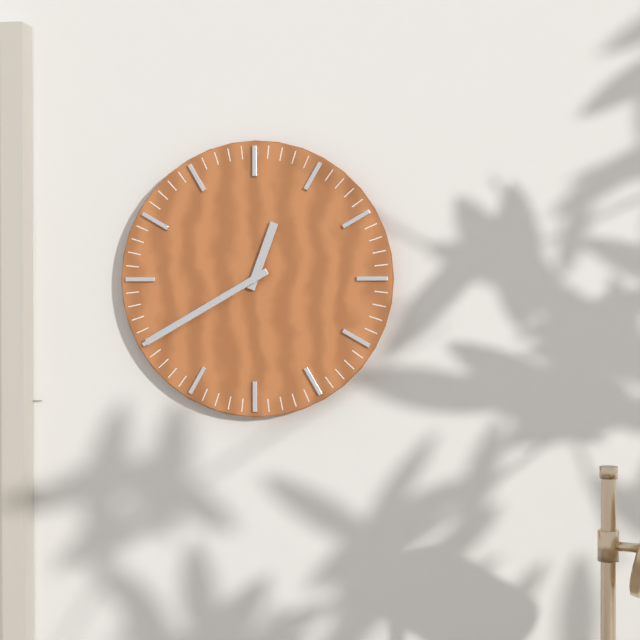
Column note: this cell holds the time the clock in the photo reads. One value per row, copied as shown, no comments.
12:40
